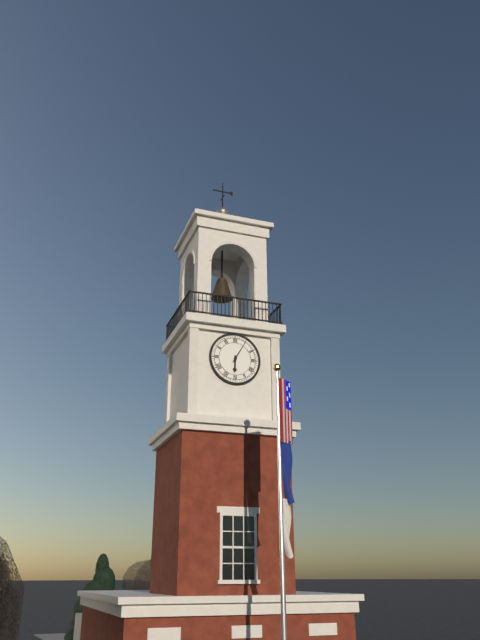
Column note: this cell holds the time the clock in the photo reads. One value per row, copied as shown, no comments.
6:05
